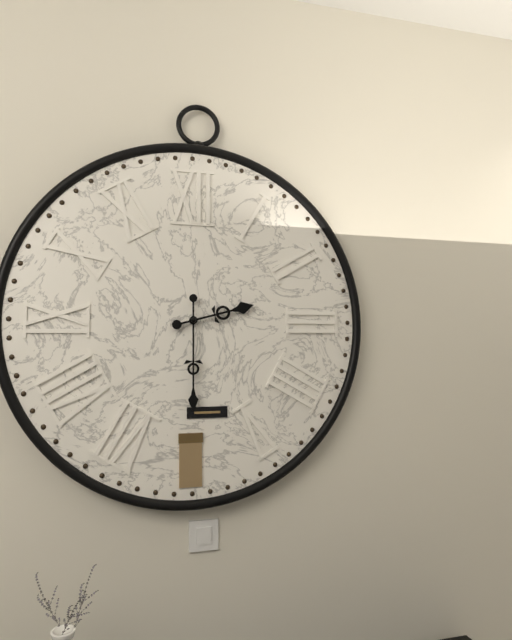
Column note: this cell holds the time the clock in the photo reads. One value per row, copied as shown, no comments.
2:30
